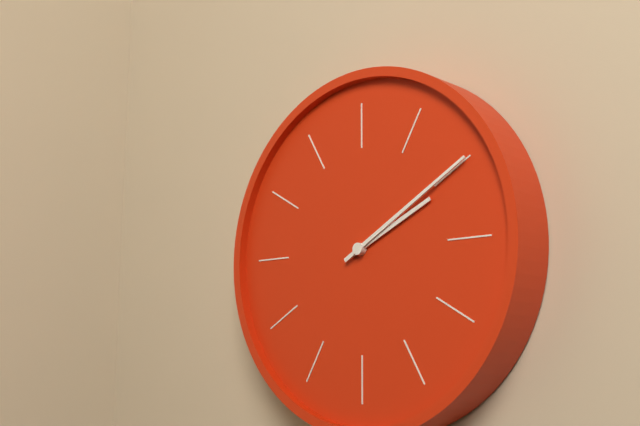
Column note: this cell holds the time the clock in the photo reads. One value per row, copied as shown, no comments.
2:10
